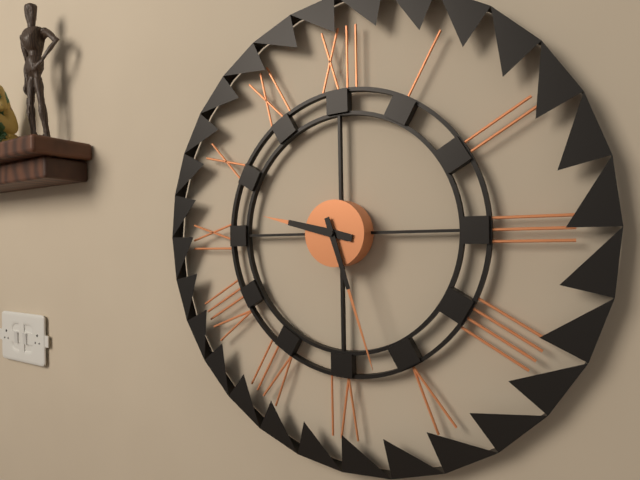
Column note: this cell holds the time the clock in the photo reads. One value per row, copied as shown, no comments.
9:27
